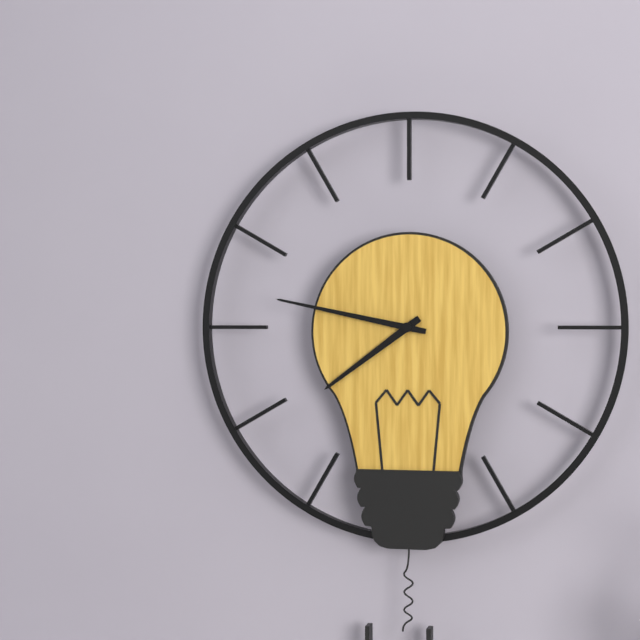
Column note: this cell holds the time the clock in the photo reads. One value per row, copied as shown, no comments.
7:47
